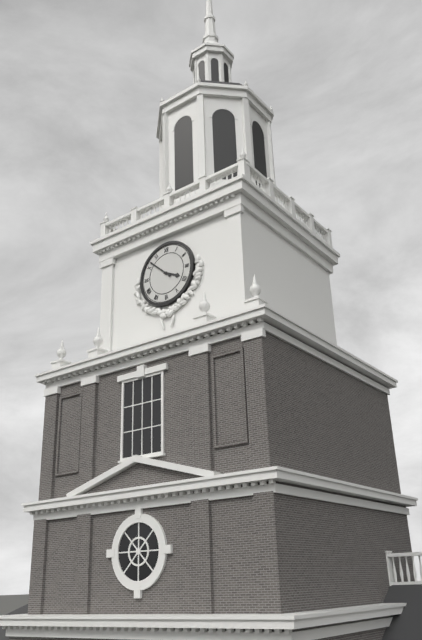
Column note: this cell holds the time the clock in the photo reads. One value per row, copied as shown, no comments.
3:52
